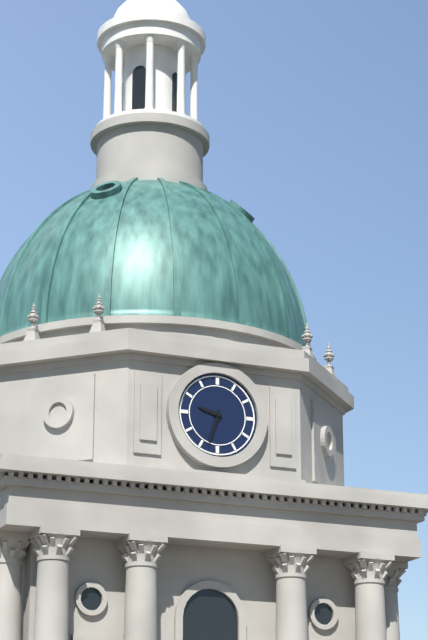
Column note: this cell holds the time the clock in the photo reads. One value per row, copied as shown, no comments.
9:33
